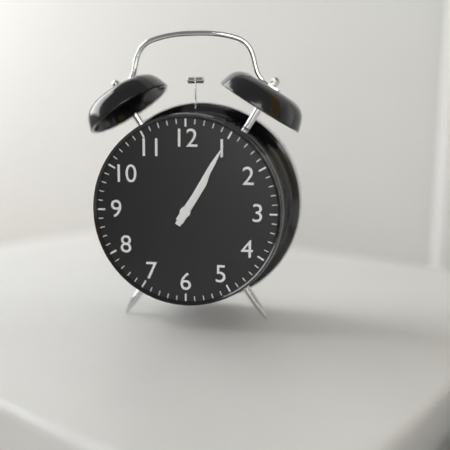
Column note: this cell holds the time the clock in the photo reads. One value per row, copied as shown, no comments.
1:05
